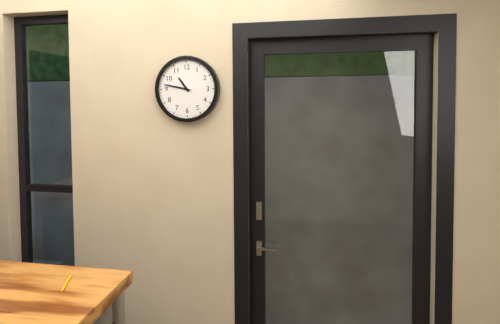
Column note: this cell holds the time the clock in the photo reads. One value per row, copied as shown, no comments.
10:47
